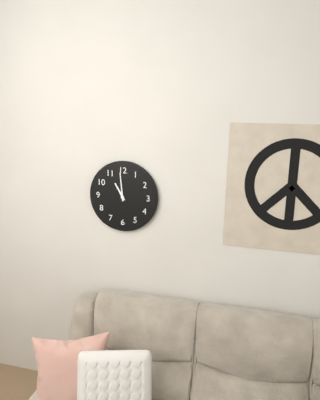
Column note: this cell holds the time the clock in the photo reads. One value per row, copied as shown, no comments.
10:59
